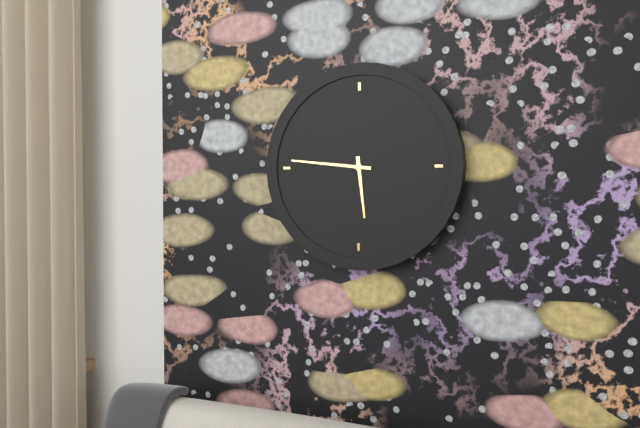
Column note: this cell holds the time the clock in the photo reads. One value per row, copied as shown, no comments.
5:46
